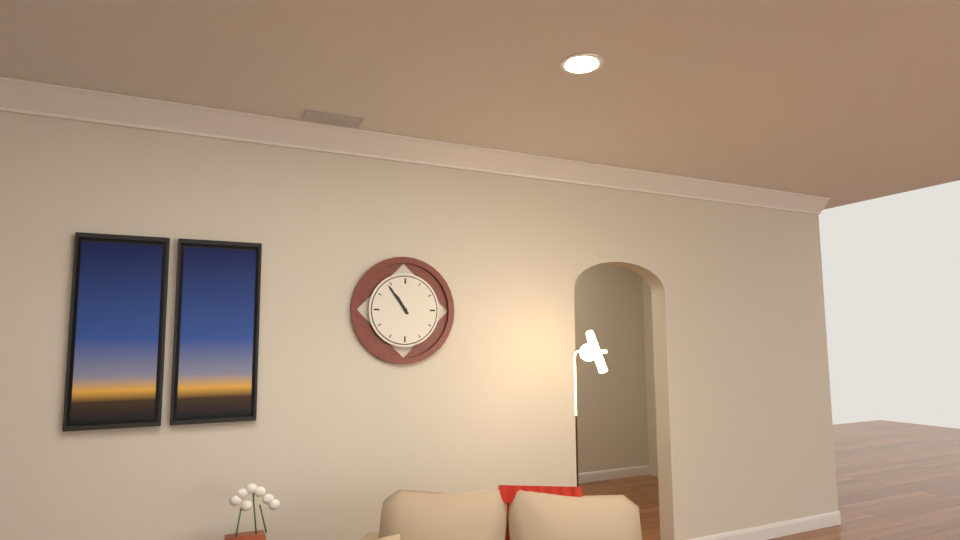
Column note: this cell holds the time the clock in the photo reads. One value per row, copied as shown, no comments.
10:54
